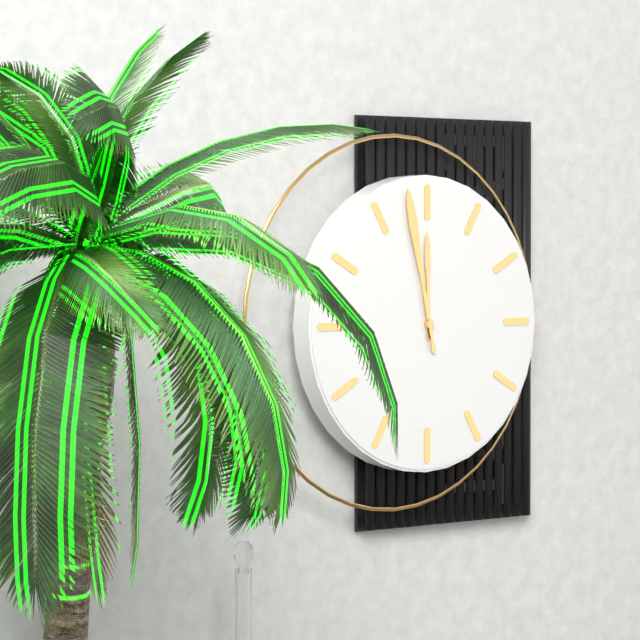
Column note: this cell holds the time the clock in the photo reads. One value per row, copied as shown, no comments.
11:58
